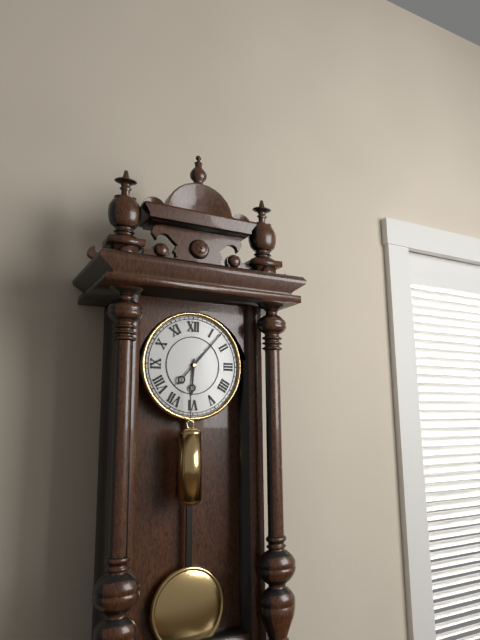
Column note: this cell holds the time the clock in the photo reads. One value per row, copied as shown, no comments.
6:07
